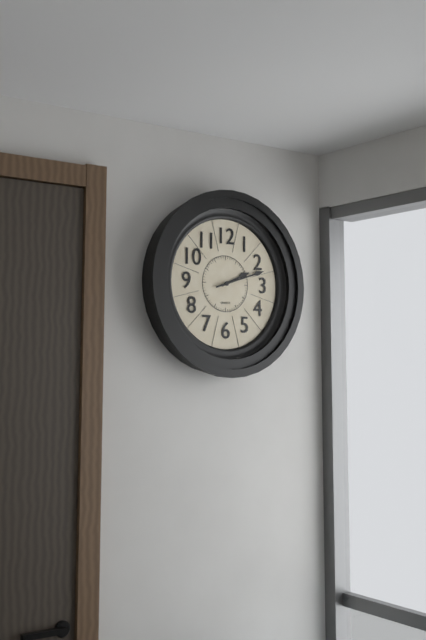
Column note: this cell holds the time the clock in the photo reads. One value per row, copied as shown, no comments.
2:12
